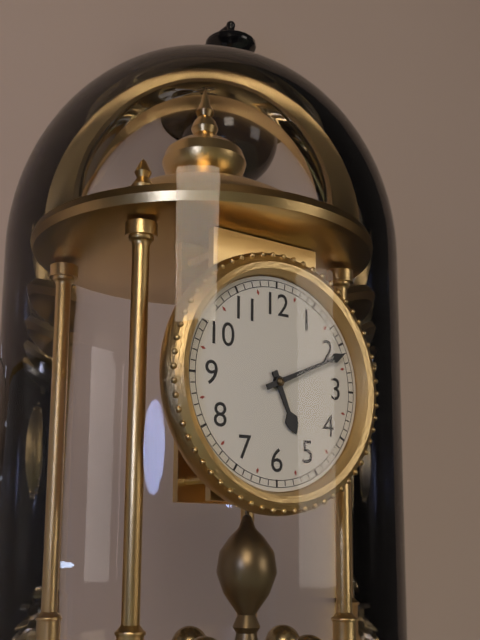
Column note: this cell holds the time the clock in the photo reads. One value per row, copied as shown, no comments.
5:11
